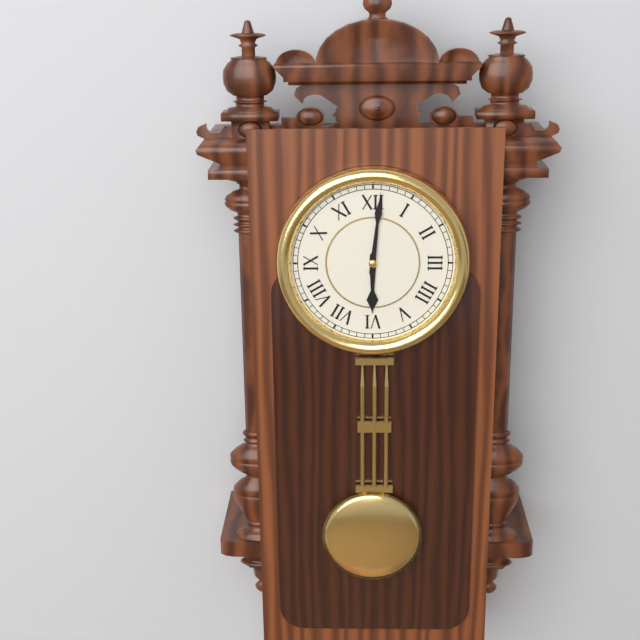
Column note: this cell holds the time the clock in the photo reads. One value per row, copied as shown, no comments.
6:01
